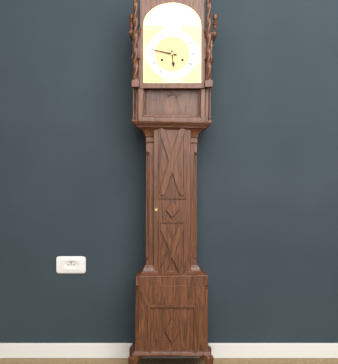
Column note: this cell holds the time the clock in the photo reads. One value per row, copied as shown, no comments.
5:47
